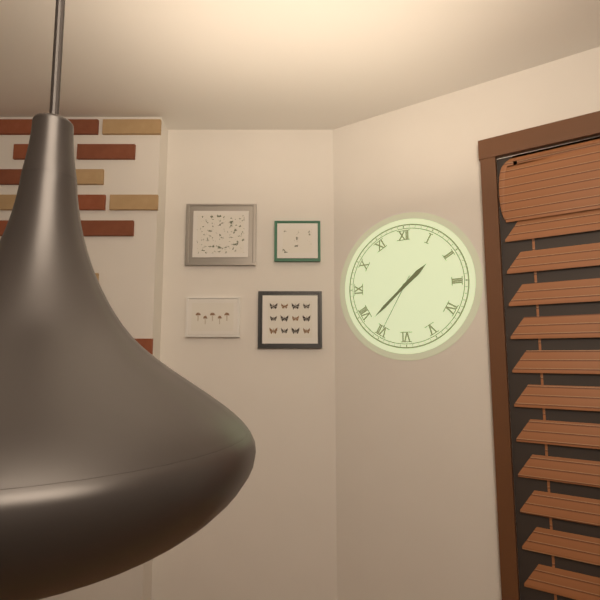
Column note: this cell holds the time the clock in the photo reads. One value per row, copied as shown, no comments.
1:38:35
